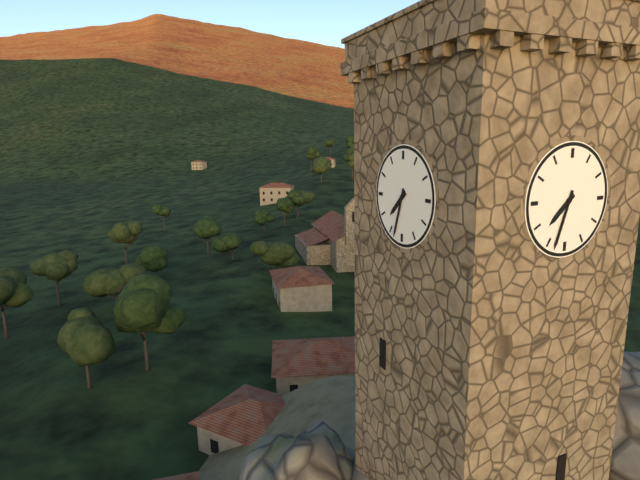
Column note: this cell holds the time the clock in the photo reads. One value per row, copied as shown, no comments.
7:33
